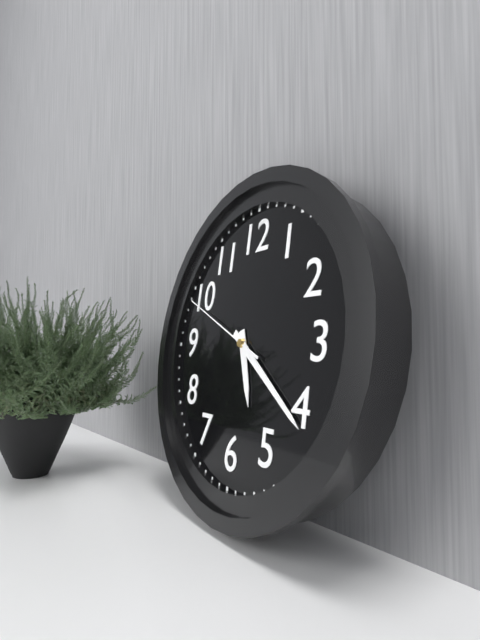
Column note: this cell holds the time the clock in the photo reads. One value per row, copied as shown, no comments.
5:21:49
